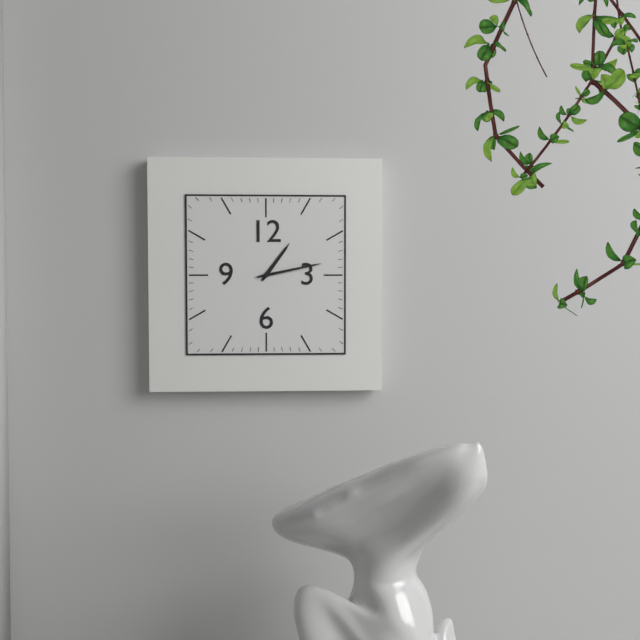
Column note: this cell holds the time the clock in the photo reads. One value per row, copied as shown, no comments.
1:13
